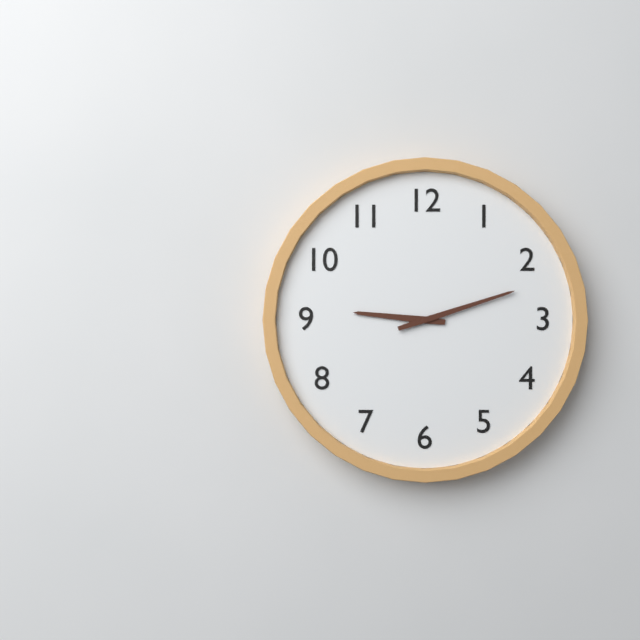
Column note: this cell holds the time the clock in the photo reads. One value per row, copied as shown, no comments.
9:12
